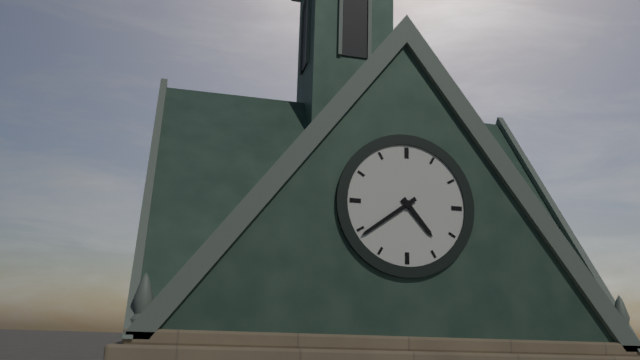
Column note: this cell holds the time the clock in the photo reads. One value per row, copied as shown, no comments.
4:39
